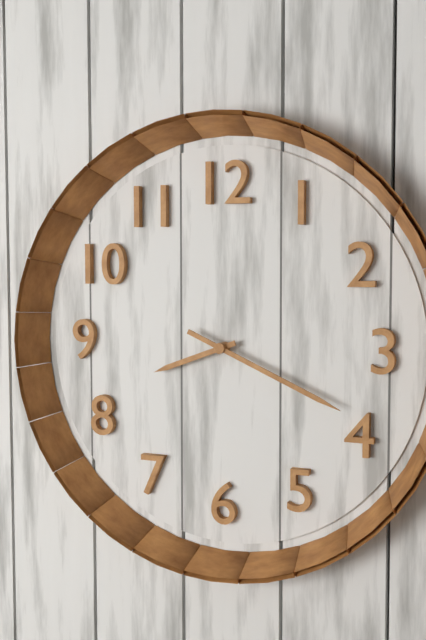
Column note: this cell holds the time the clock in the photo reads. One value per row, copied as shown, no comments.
8:19
